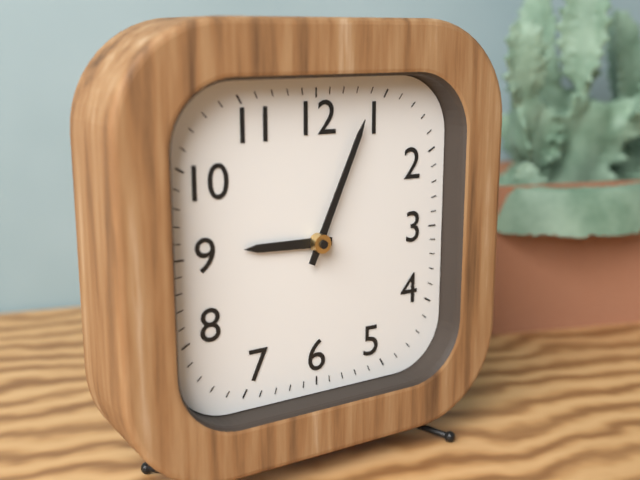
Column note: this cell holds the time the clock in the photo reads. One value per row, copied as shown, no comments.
9:04
